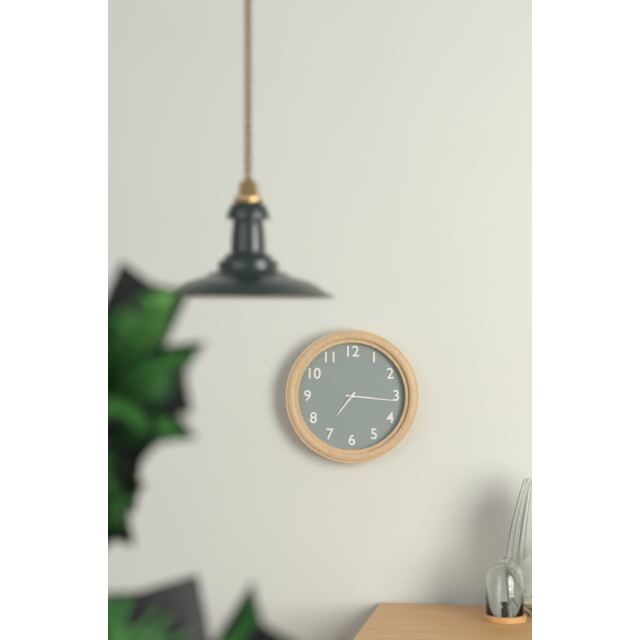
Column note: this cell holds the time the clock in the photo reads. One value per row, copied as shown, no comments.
7:16
